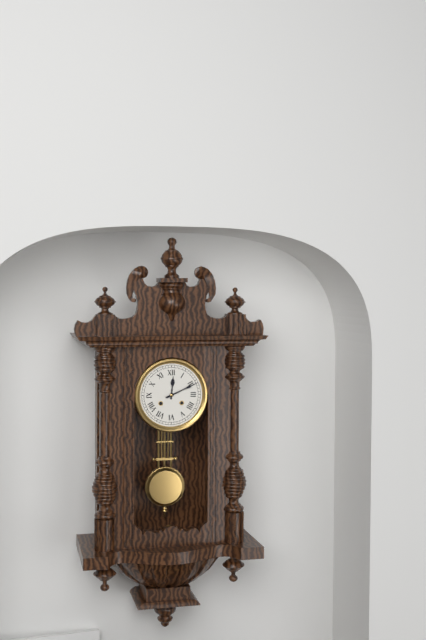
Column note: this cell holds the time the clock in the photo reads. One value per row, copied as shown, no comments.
12:11
